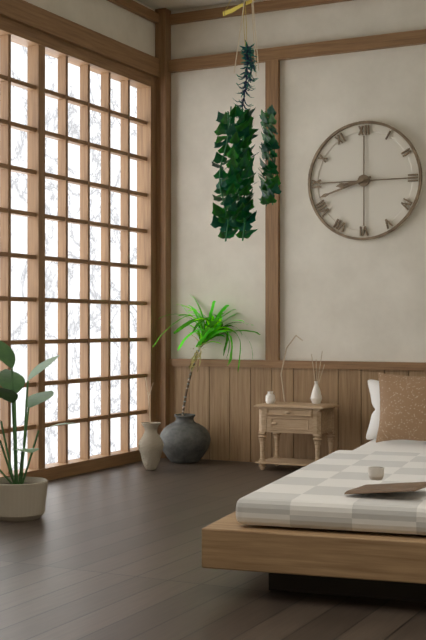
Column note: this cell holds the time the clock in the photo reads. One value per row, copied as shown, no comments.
8:42
